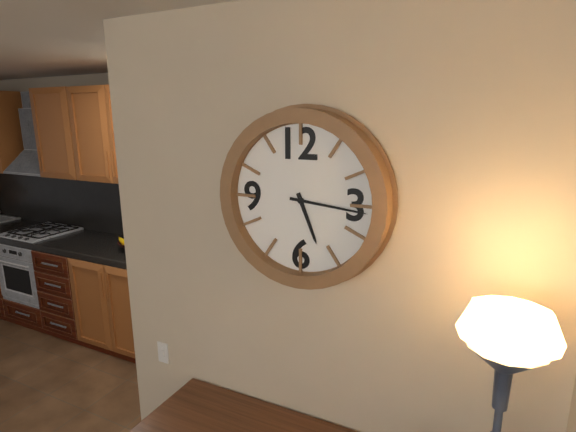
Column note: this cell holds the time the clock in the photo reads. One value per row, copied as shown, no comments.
5:16
